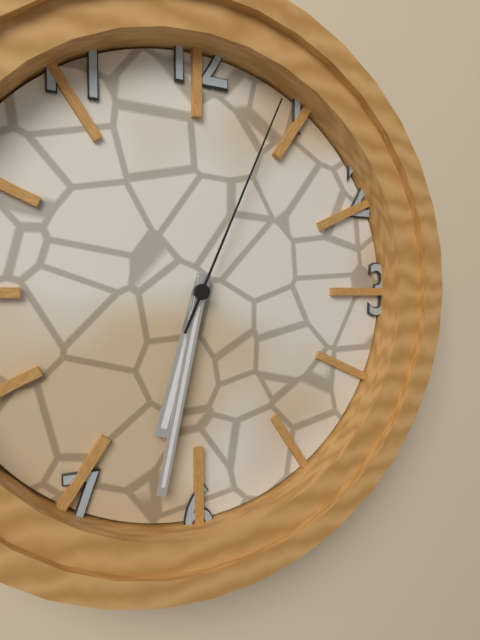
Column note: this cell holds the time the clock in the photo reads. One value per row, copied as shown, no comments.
6:32:04
